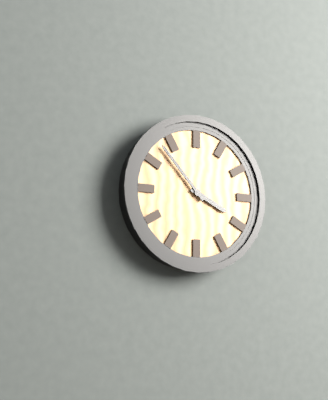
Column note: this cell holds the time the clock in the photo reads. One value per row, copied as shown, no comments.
3:53
